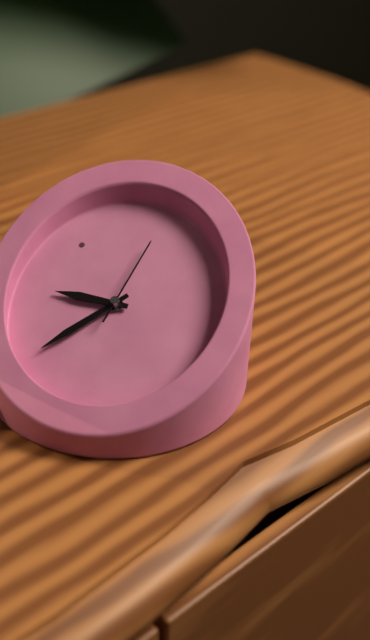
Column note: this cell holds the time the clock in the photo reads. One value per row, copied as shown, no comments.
11:51:16
